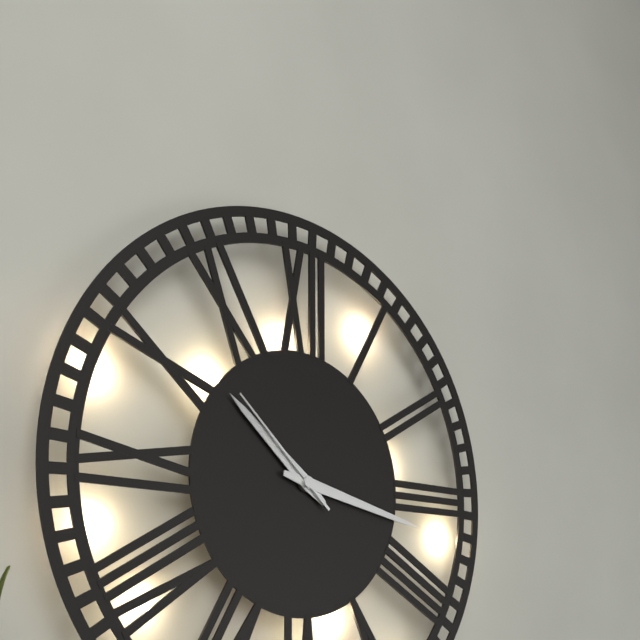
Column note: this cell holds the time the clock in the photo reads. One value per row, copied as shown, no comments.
10:17:52
